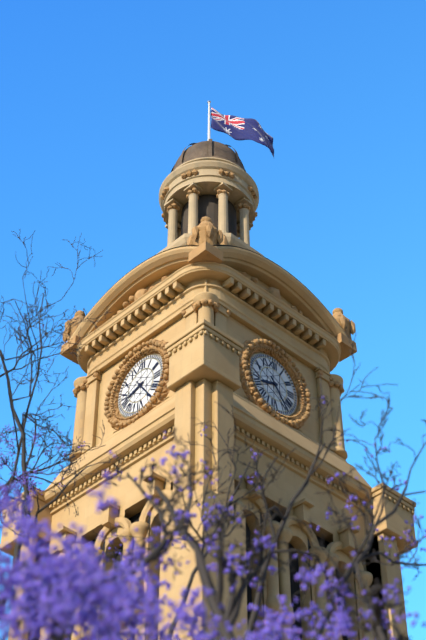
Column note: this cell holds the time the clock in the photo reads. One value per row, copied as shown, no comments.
8:24
